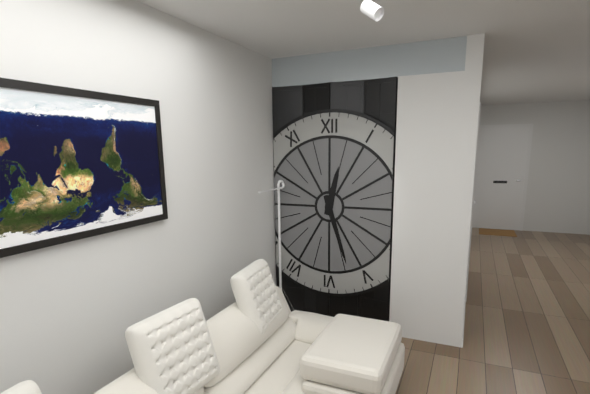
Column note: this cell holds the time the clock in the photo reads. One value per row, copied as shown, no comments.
12:27
